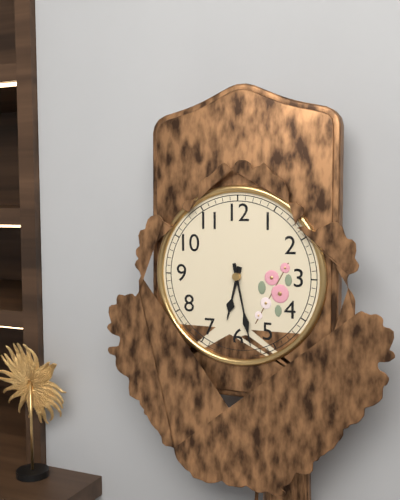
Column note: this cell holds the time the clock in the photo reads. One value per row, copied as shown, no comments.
6:28
